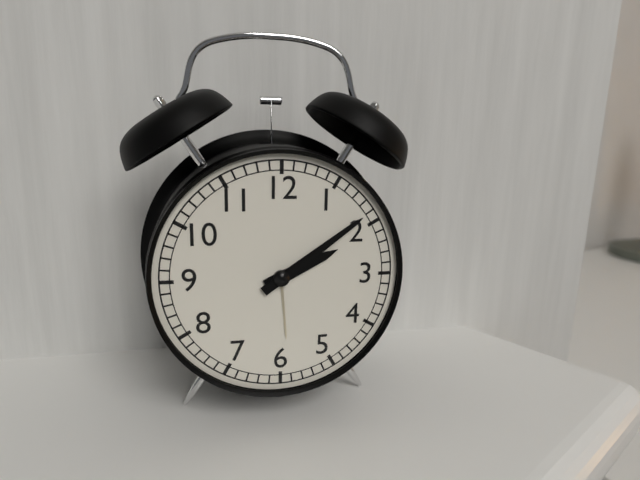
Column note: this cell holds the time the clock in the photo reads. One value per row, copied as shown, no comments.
2:09
